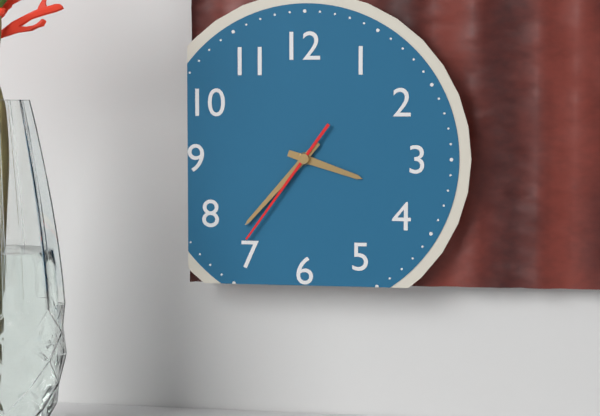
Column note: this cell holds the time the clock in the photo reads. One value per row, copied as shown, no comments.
3:37:36
